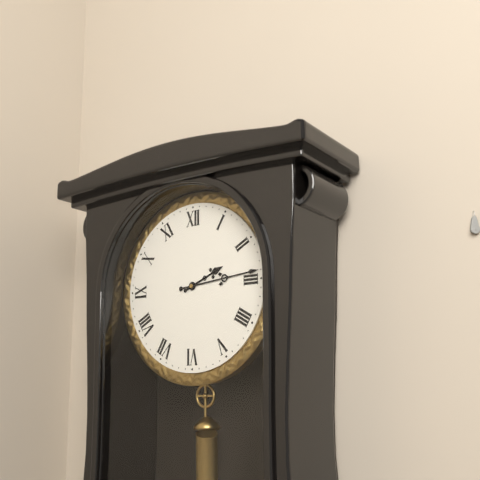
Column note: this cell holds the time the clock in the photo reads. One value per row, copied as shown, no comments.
2:14
